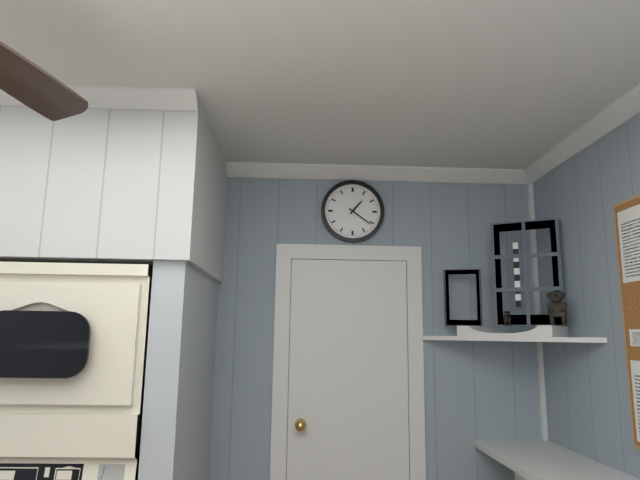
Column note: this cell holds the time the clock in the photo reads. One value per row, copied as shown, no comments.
1:21
